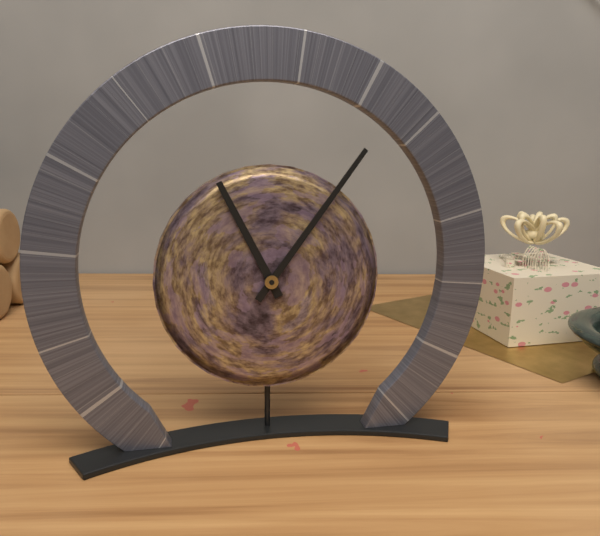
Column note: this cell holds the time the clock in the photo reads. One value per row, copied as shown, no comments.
11:06
